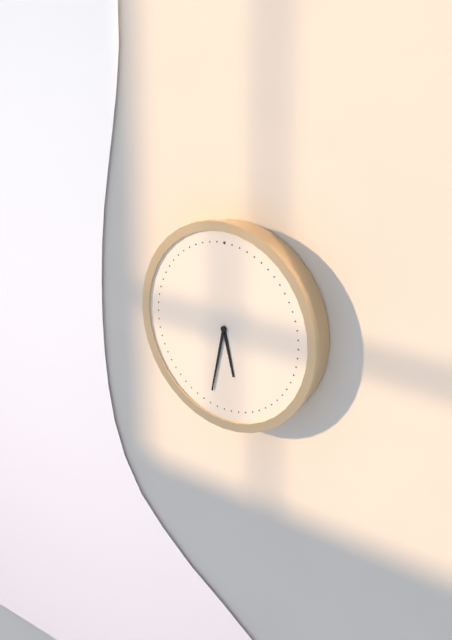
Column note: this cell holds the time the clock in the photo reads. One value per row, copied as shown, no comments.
5:32
